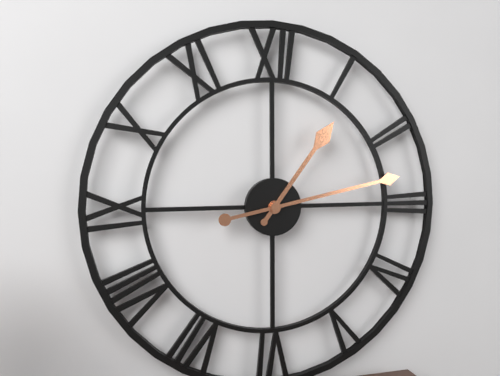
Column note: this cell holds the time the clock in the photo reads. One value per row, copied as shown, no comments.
1:13
